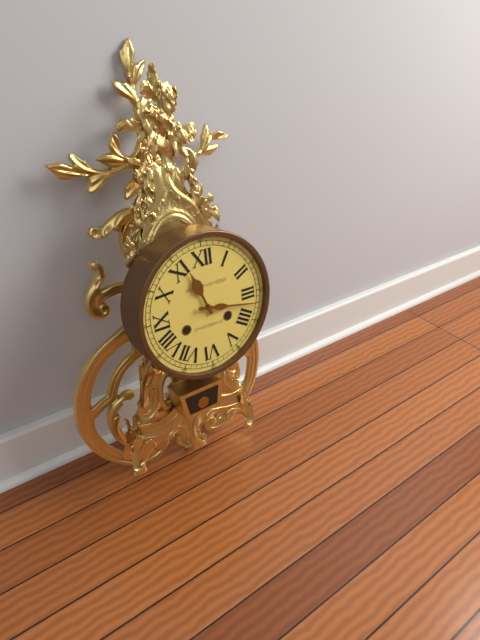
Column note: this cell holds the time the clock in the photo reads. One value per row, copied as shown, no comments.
11:17
